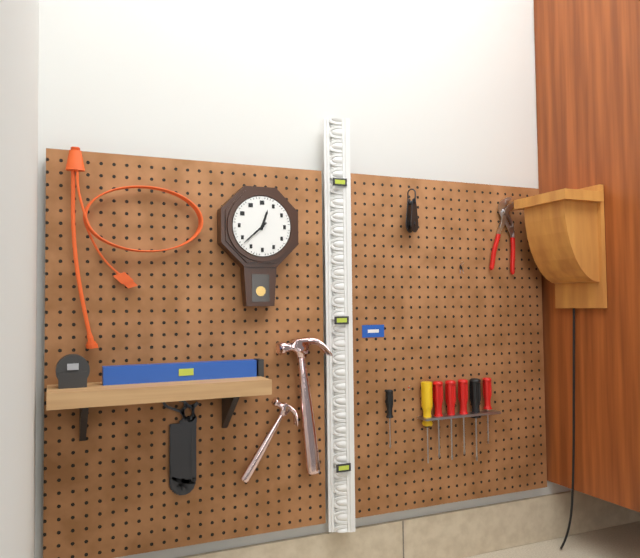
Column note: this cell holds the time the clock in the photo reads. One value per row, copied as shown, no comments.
12:38
